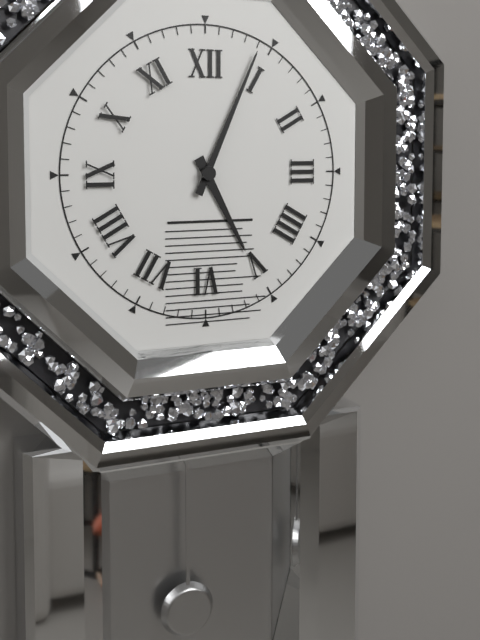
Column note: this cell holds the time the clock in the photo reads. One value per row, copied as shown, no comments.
5:04
